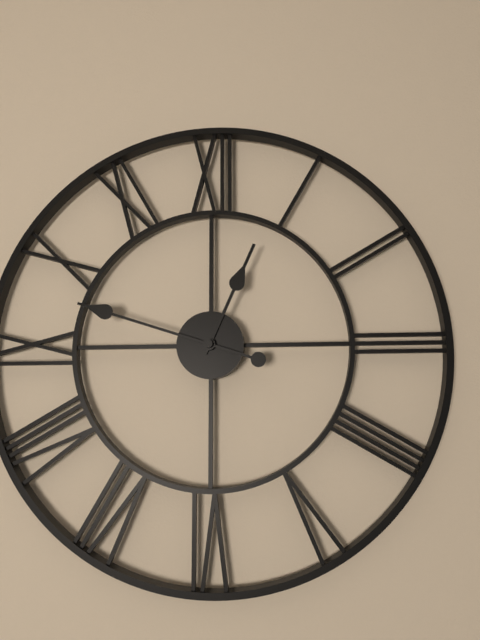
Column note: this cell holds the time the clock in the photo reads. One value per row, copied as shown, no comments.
12:48
